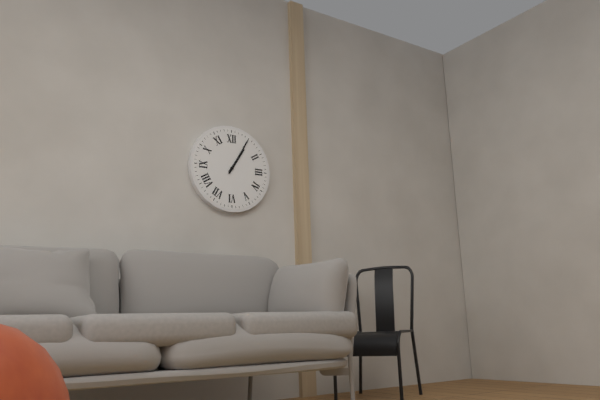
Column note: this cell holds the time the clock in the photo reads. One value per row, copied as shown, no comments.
1:05
